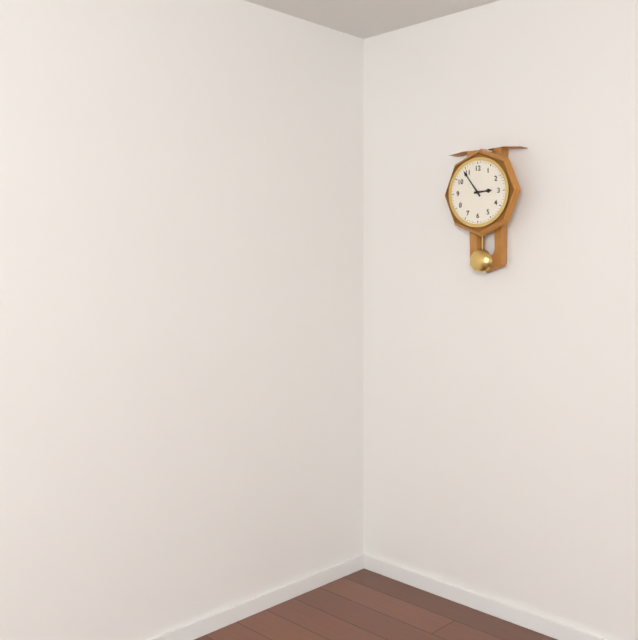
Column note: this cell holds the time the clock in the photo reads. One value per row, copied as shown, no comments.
2:54
